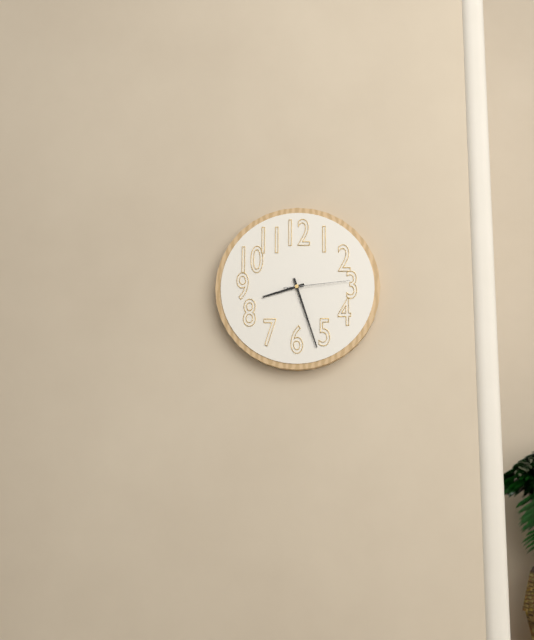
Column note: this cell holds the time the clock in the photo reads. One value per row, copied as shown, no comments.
8:27:14
